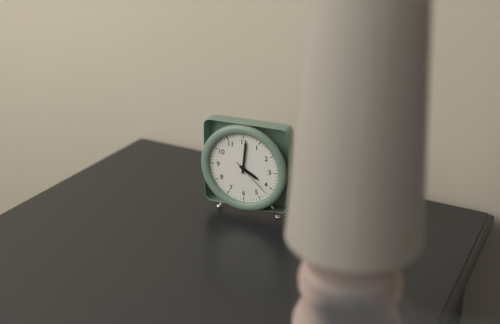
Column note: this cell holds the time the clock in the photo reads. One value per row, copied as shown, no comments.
4:01
